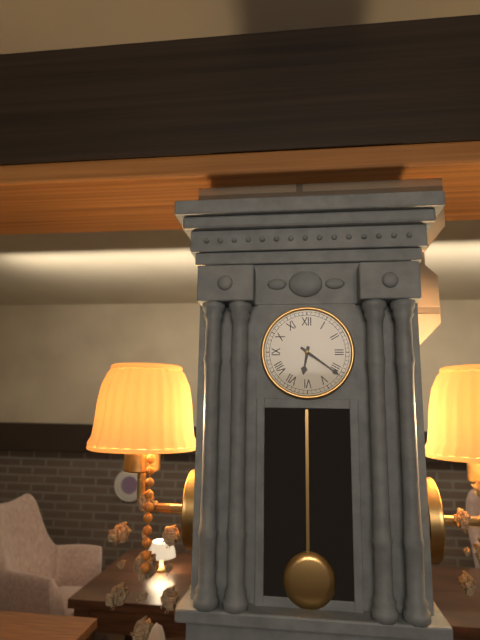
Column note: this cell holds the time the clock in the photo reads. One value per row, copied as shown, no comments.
6:21
